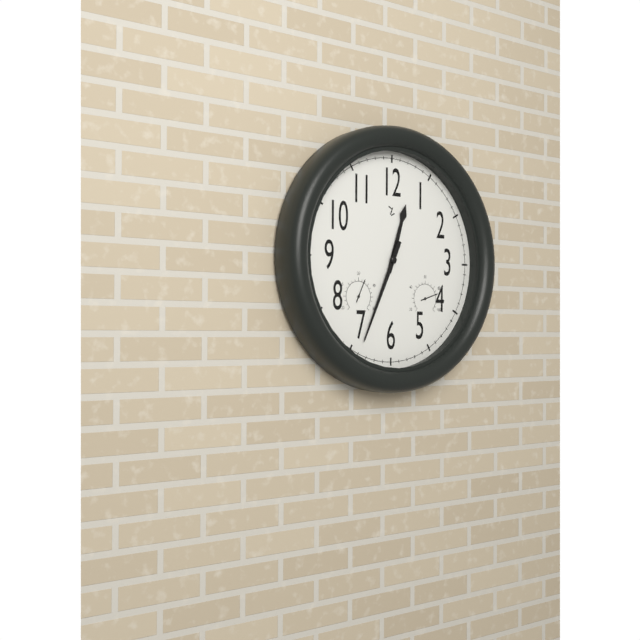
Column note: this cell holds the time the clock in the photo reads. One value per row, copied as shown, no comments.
12:34
